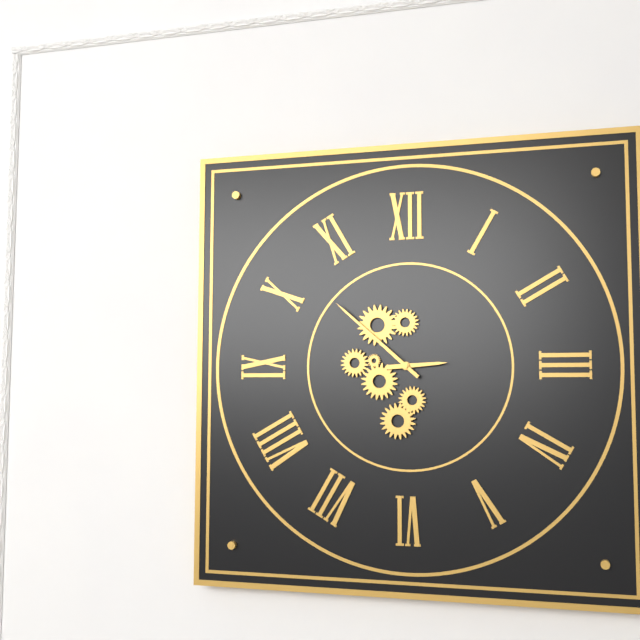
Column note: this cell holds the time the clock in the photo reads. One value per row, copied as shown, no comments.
2:52
